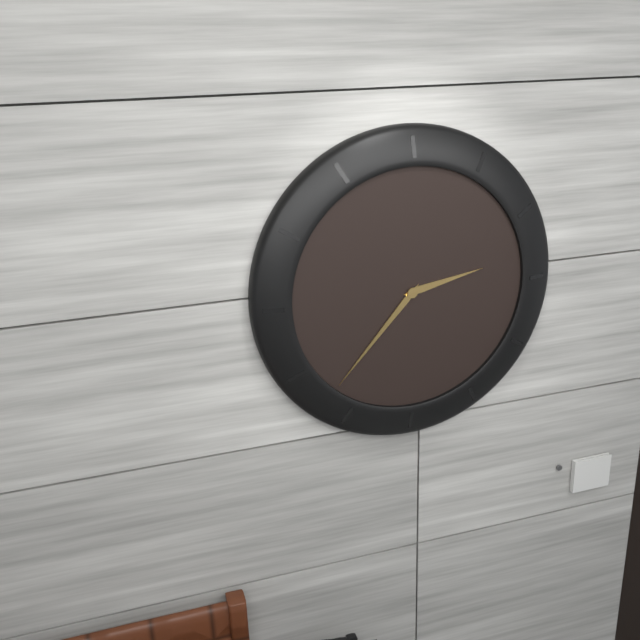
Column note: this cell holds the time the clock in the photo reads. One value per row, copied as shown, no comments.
2:37
